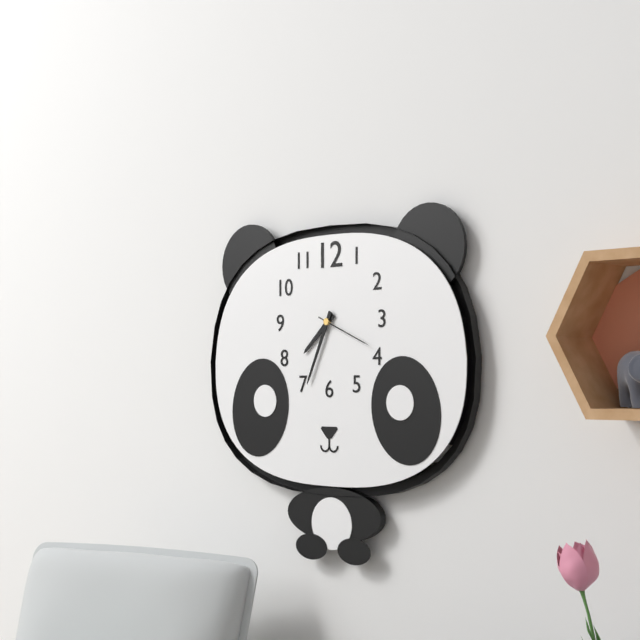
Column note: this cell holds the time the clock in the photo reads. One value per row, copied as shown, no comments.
7:34:19
